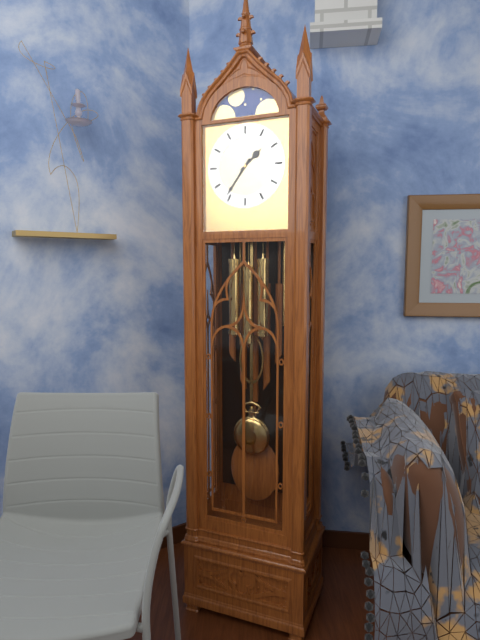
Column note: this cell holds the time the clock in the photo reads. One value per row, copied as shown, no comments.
1:36
